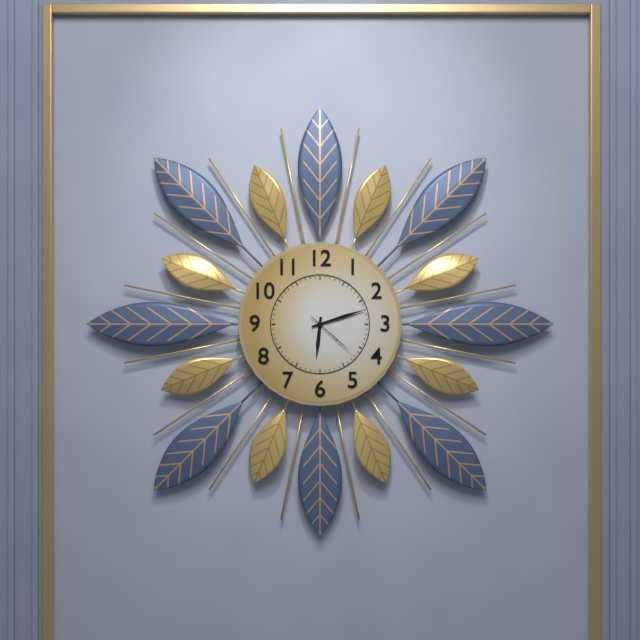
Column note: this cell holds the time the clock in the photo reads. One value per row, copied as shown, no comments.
6:12:22
